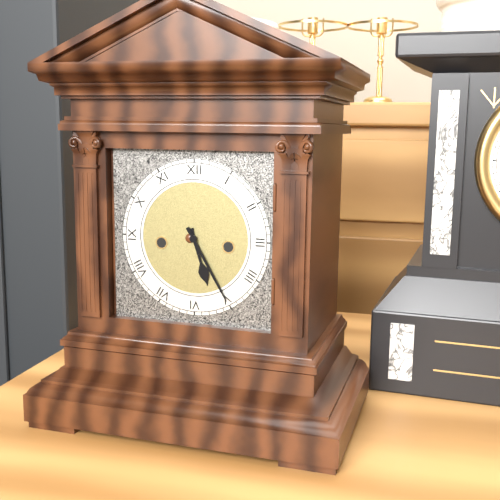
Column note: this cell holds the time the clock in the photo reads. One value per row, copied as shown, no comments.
5:25
